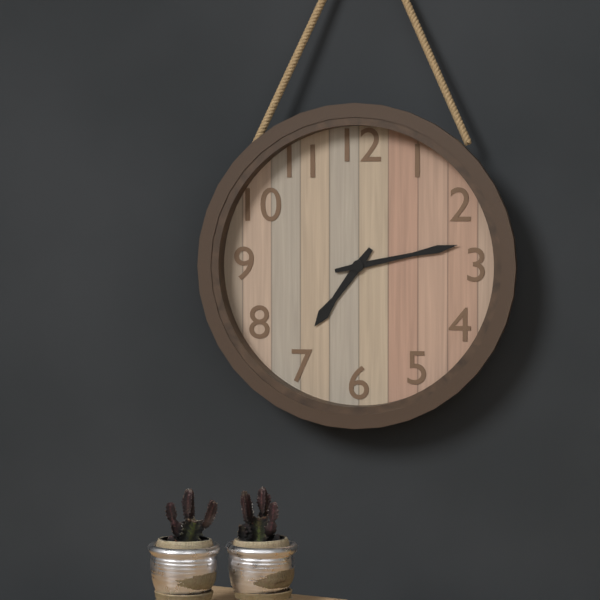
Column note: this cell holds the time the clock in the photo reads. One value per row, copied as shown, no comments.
7:13
